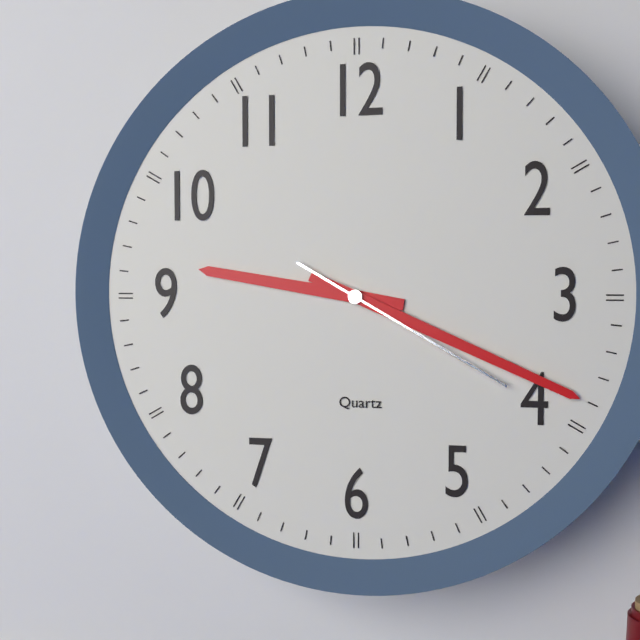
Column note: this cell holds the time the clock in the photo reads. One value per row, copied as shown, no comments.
9:19:20
